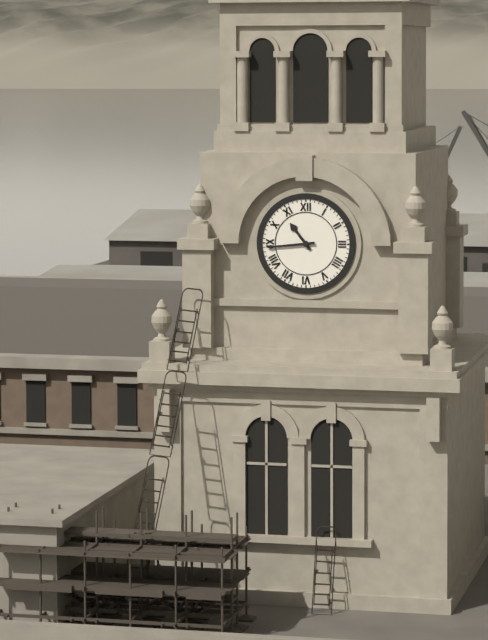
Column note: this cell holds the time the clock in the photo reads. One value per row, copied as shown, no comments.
10:44
